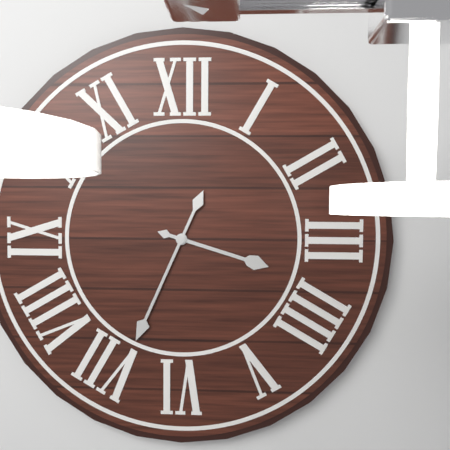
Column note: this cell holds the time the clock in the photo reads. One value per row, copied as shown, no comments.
3:34
